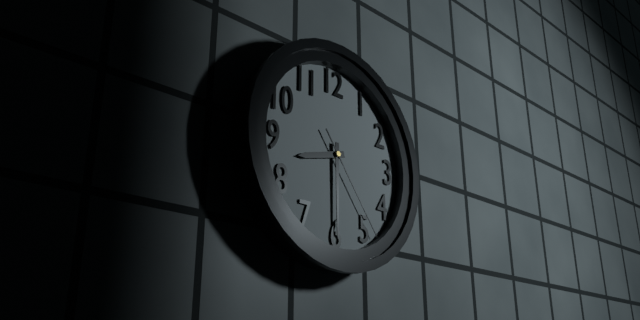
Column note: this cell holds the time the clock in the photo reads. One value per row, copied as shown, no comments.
8:30:24
